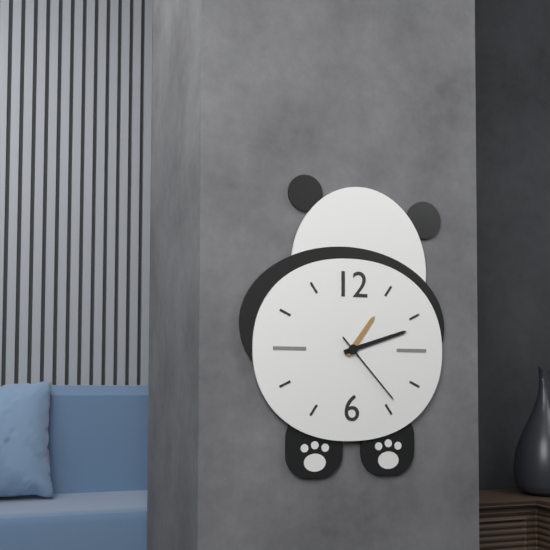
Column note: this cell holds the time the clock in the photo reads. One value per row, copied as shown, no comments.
1:12:23
